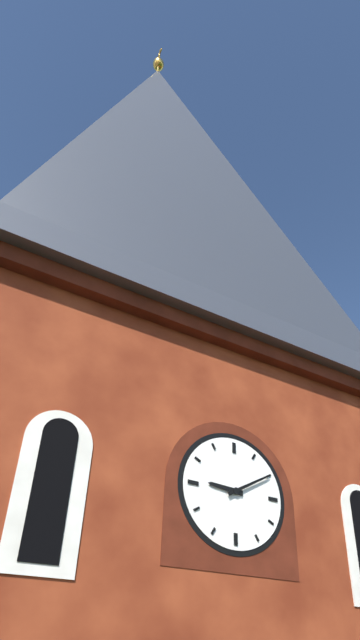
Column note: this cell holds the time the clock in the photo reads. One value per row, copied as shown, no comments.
9:10
